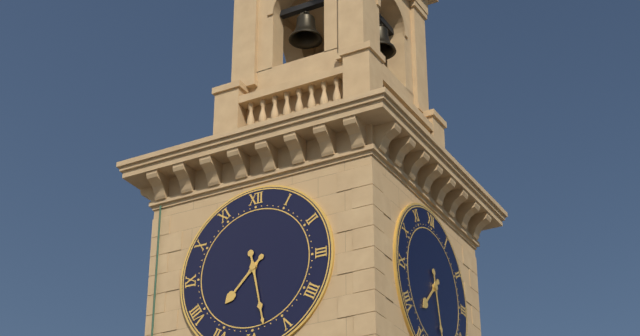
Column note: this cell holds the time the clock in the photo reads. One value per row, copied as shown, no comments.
7:28
